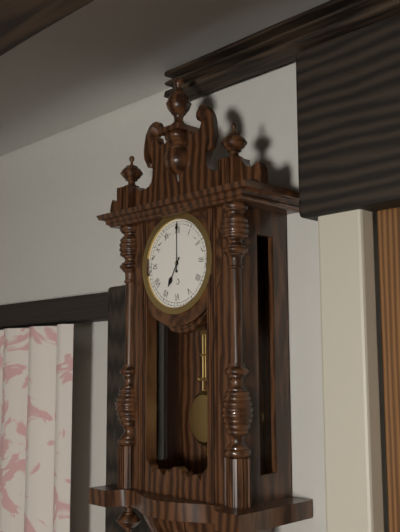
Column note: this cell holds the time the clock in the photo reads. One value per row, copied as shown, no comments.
7:00
